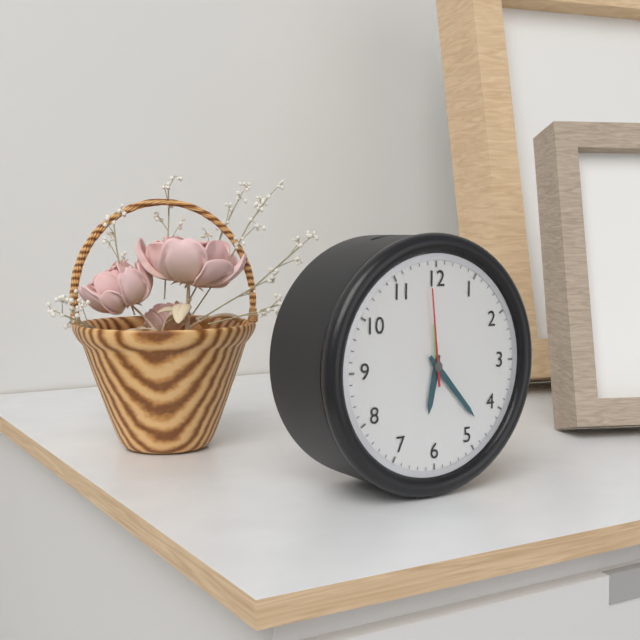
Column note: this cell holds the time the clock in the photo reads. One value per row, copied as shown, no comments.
6:23:59
